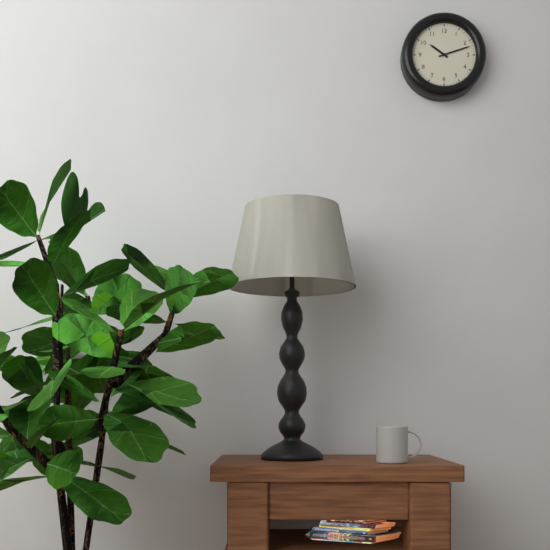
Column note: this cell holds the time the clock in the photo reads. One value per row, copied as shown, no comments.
10:12
